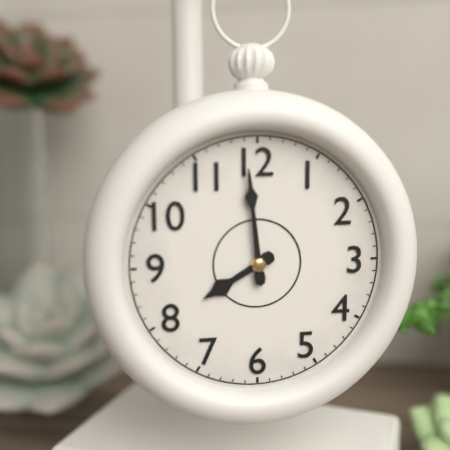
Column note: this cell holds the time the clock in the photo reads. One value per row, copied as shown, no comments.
7:59
